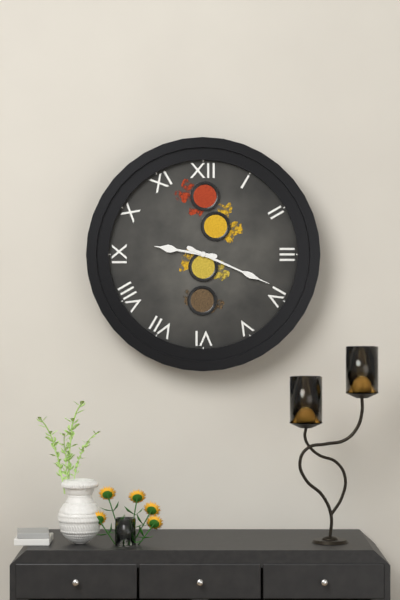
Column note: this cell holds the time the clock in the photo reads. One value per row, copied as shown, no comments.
9:19
